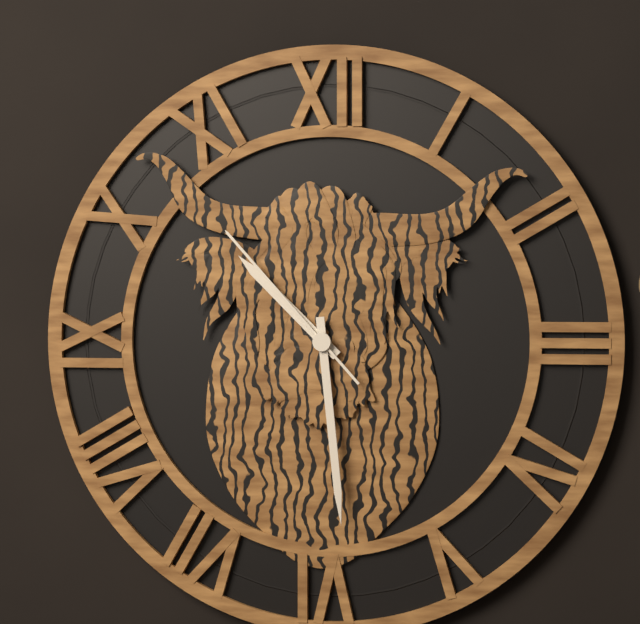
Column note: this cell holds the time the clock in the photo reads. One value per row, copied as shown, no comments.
10:29:53
